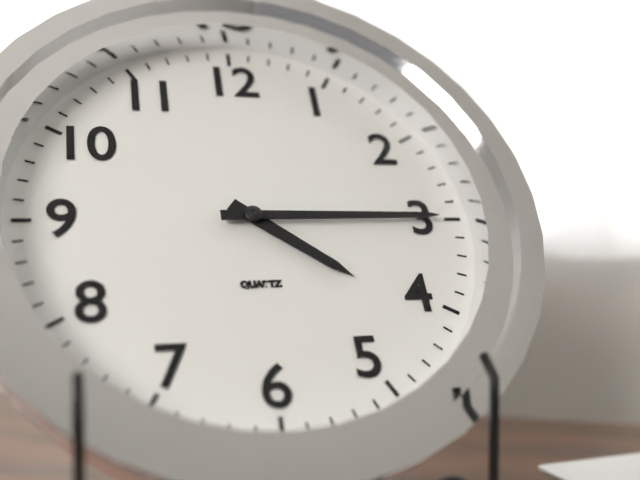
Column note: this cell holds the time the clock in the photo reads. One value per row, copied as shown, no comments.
4:15
